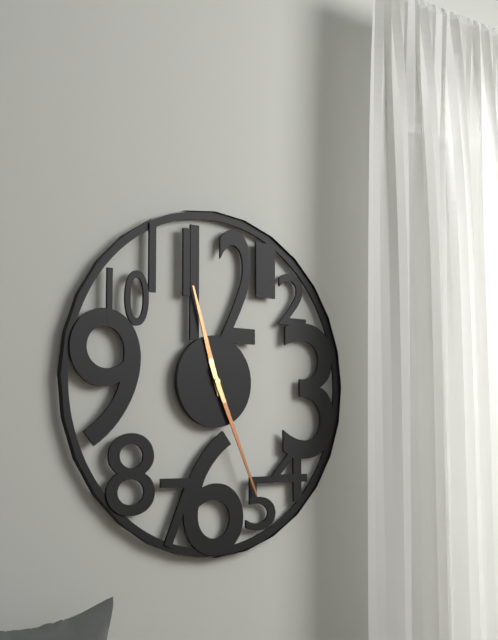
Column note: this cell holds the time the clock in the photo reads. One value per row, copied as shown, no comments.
11:26
